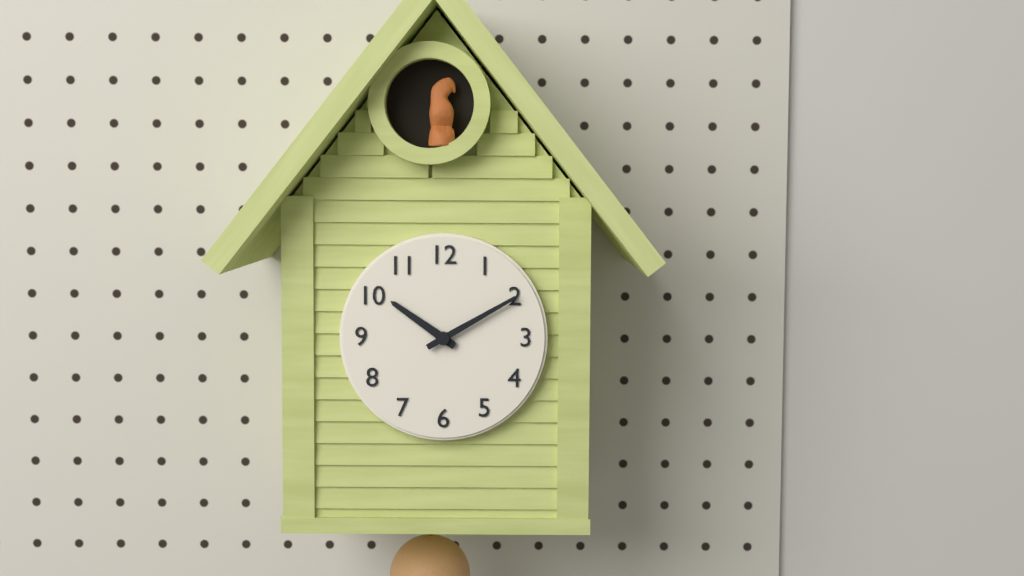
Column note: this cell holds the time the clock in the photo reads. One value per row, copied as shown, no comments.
10:10
